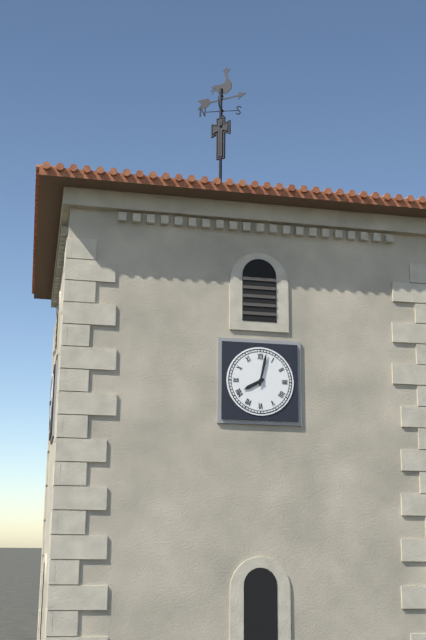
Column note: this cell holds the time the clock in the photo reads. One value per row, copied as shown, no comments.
8:02
